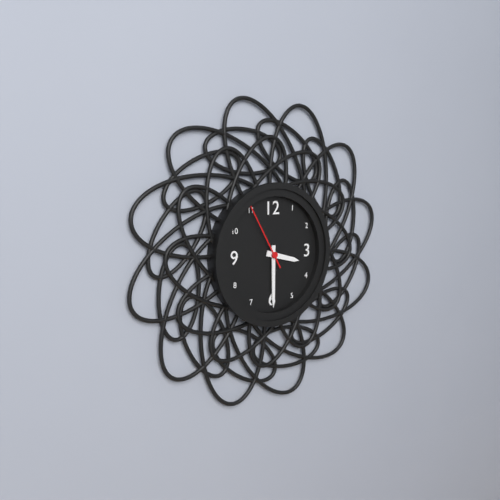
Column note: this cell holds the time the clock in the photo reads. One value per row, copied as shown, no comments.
3:30:55
